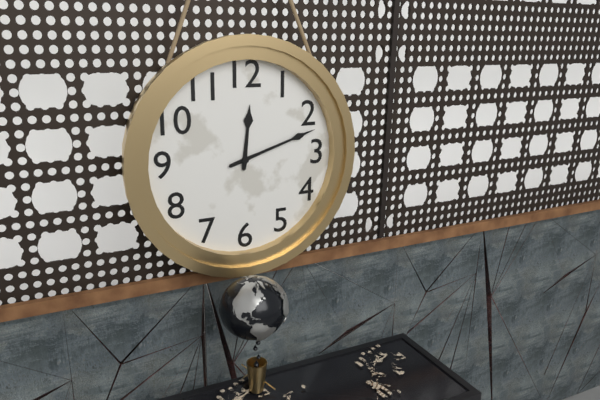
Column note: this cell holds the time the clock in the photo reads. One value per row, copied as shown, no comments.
12:12
